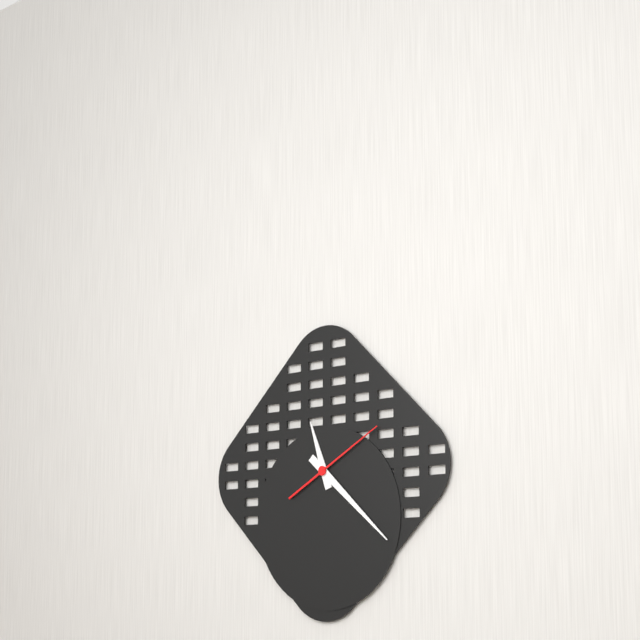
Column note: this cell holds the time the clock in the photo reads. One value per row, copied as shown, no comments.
11:22:10
